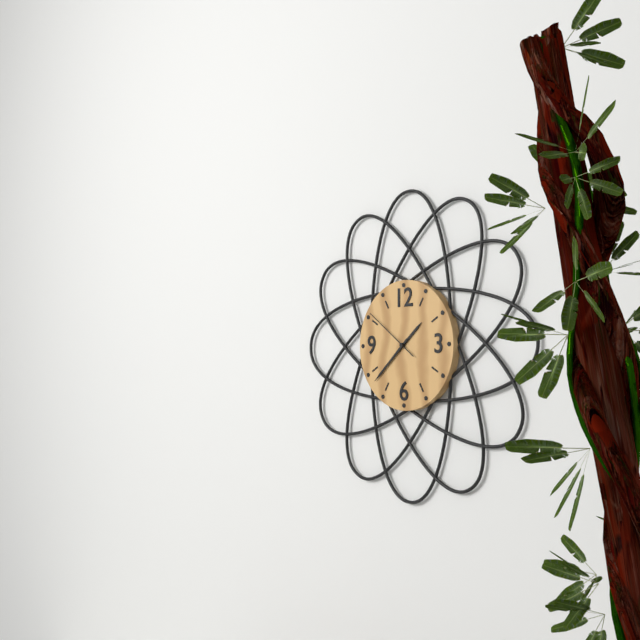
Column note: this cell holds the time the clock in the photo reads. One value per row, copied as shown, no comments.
1:38:51
